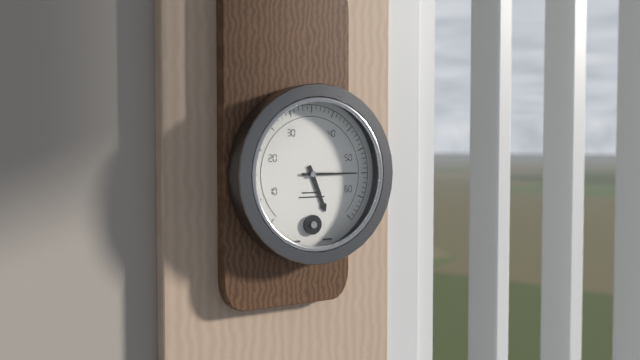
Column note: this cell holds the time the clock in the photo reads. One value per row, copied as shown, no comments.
5:15
